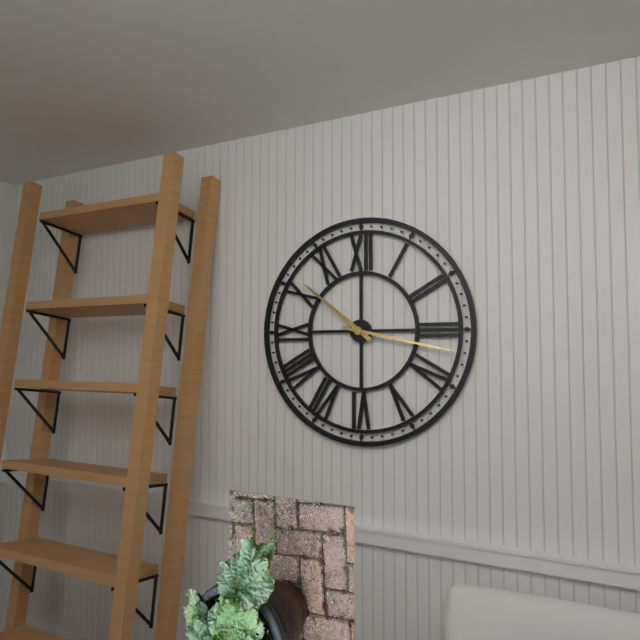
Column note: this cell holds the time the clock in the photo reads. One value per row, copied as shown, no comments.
10:17
